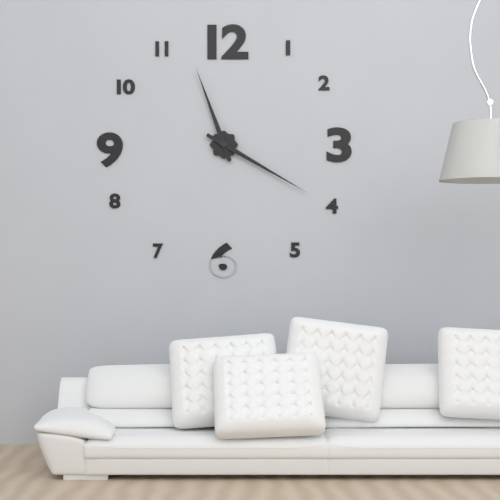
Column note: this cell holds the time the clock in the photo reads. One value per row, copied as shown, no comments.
11:20
